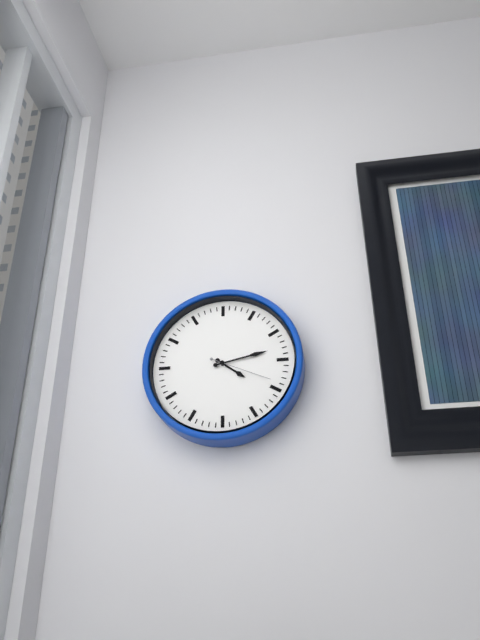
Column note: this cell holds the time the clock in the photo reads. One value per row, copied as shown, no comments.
4:13:19
